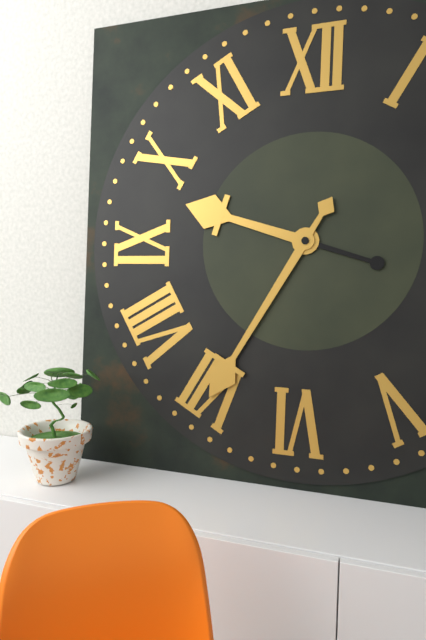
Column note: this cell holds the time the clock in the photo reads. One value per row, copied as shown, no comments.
9:35
